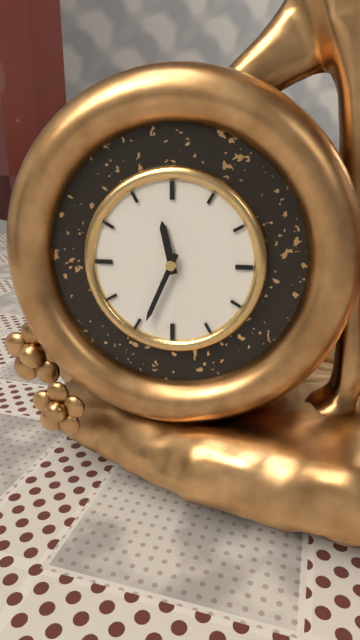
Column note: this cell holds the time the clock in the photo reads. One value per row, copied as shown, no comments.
11:34
